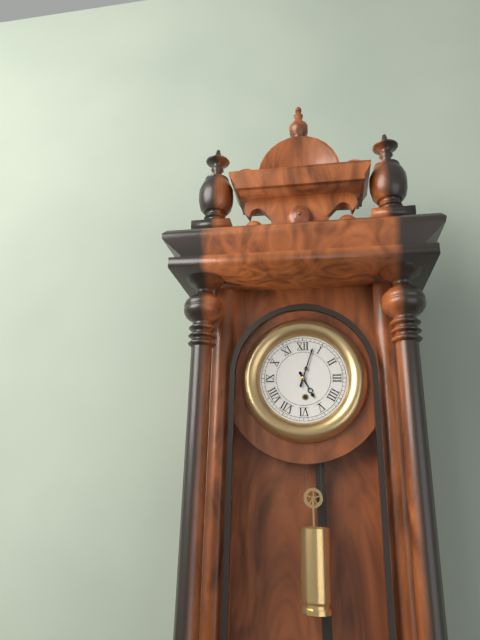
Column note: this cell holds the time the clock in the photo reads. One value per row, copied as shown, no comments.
5:03
